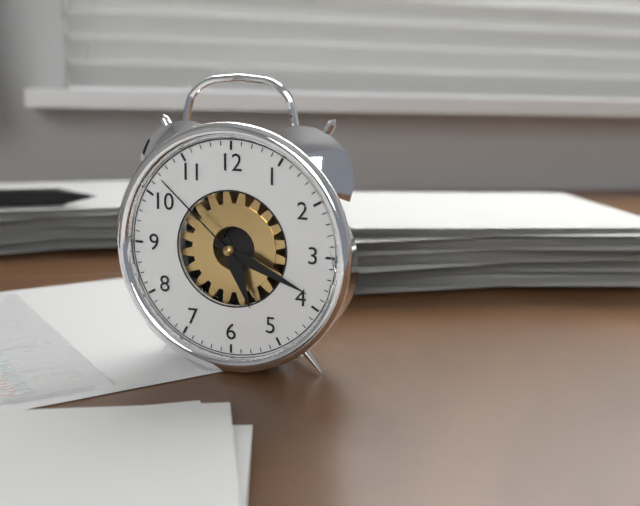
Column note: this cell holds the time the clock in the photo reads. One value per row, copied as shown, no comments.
5:19:52
